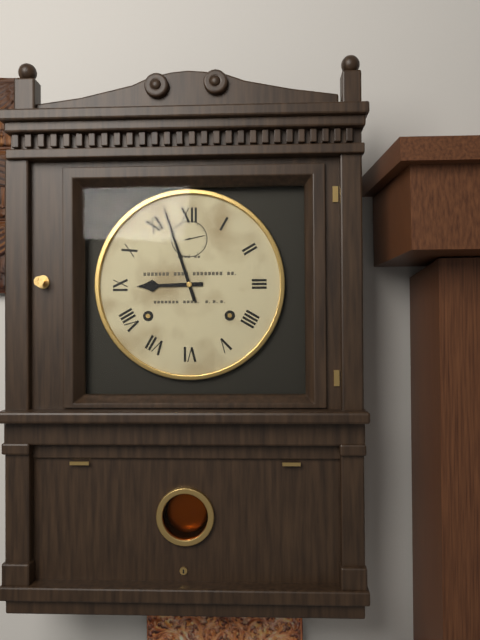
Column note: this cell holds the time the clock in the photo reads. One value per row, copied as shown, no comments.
8:57
